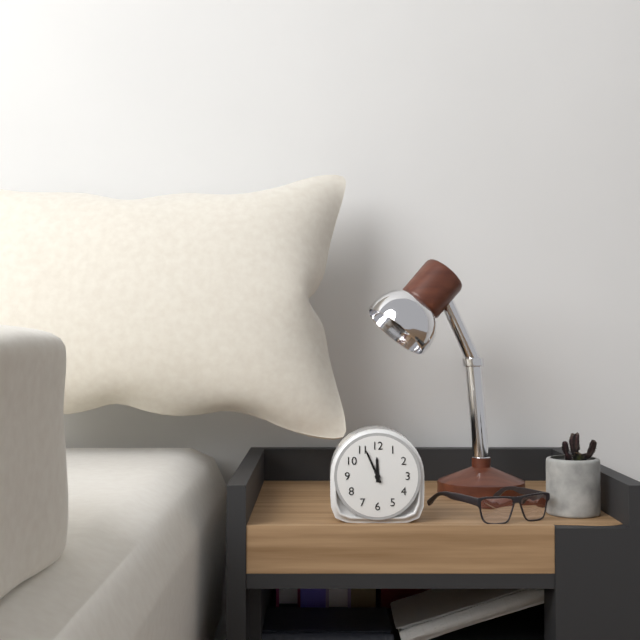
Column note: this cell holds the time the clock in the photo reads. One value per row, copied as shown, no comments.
11:56
